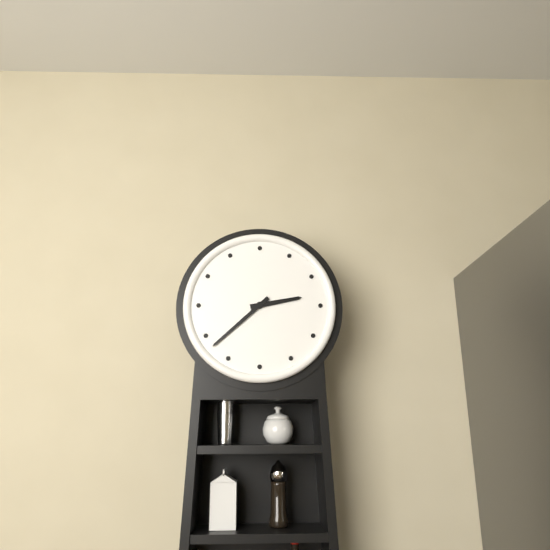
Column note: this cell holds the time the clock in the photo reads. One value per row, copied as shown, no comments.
2:38
